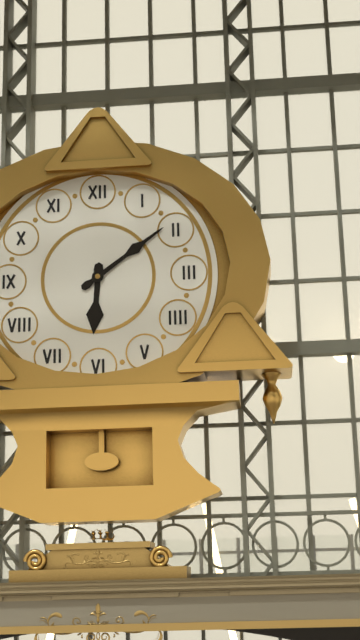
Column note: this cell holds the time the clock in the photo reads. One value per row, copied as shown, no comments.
6:09
